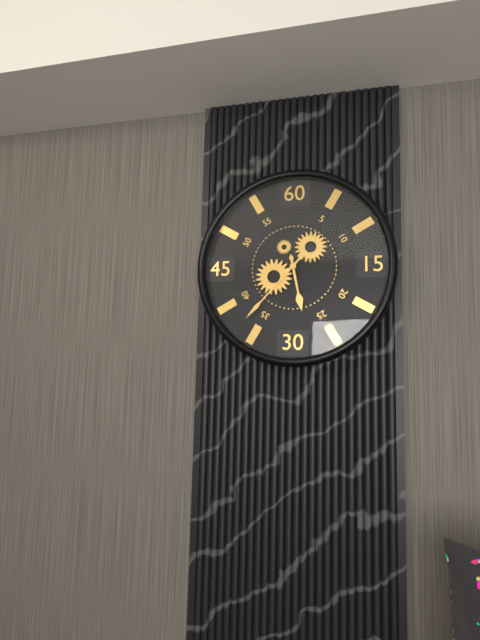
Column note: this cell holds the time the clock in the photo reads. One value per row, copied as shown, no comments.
5:37
